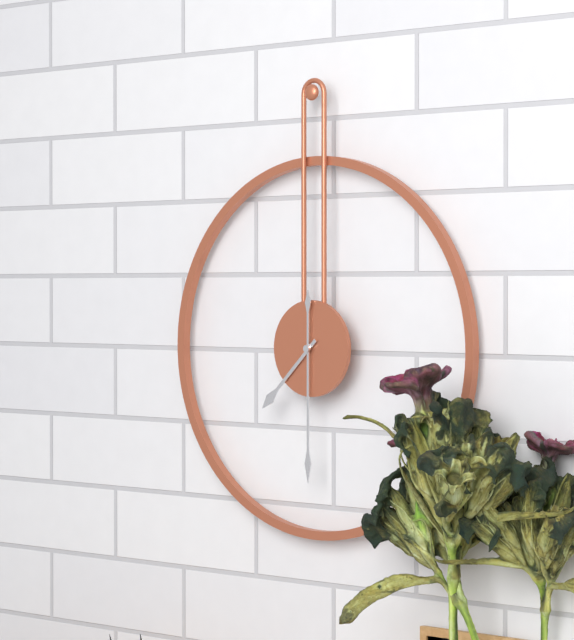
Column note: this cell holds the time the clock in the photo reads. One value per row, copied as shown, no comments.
7:30
